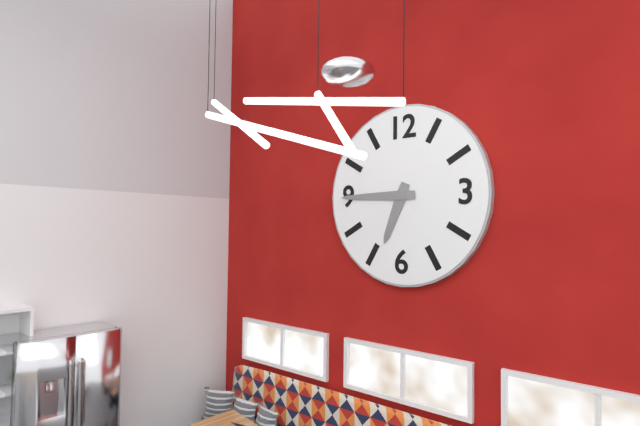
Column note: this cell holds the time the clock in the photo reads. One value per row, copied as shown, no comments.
6:45
